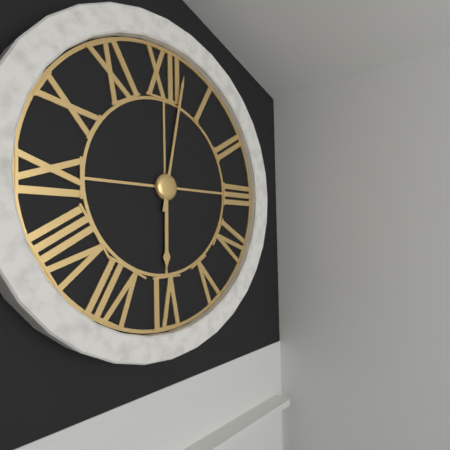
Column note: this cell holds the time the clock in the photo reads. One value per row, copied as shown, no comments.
6:02
